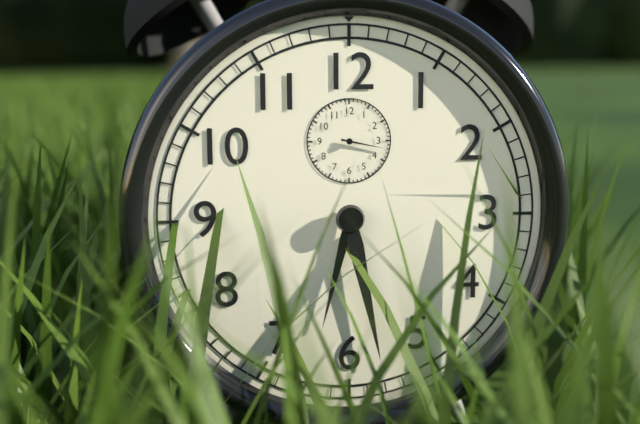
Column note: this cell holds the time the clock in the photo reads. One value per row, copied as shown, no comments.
6:28
